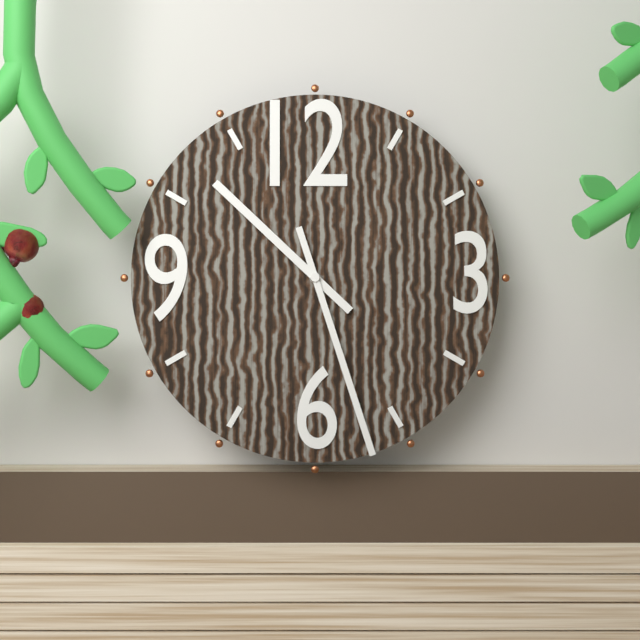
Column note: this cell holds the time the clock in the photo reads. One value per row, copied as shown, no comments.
10:27
